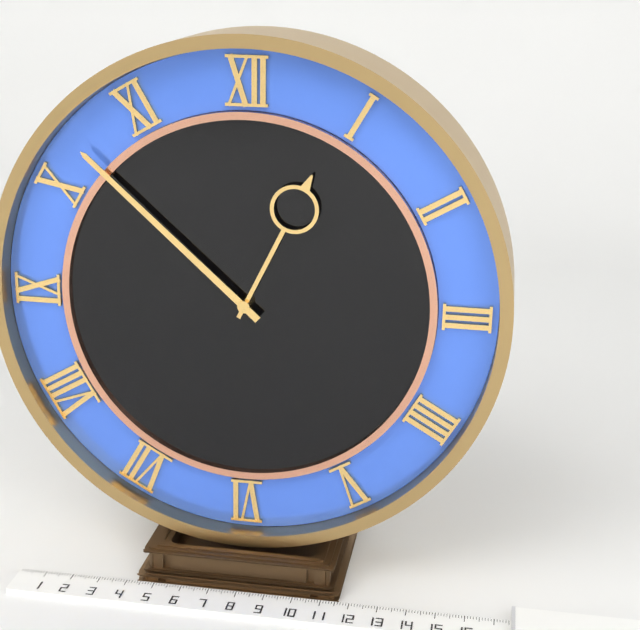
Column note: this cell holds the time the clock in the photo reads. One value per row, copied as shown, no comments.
12:52
